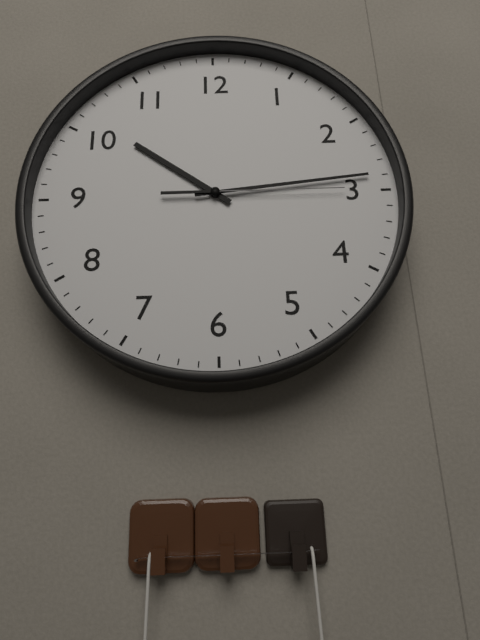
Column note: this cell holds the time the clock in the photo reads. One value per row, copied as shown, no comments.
10:14:15
